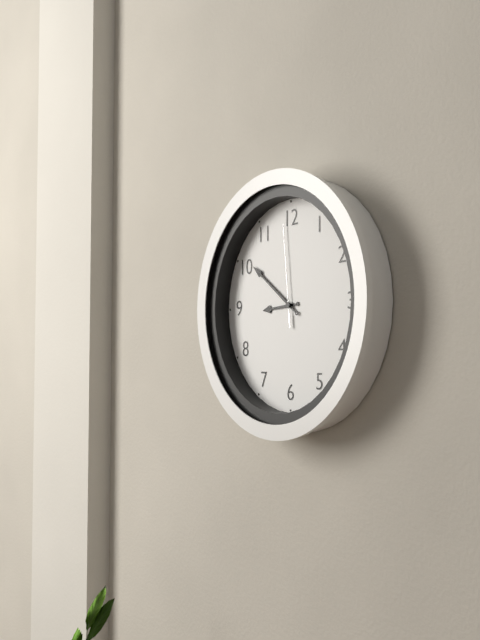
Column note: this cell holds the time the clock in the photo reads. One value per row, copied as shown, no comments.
8:51:59
